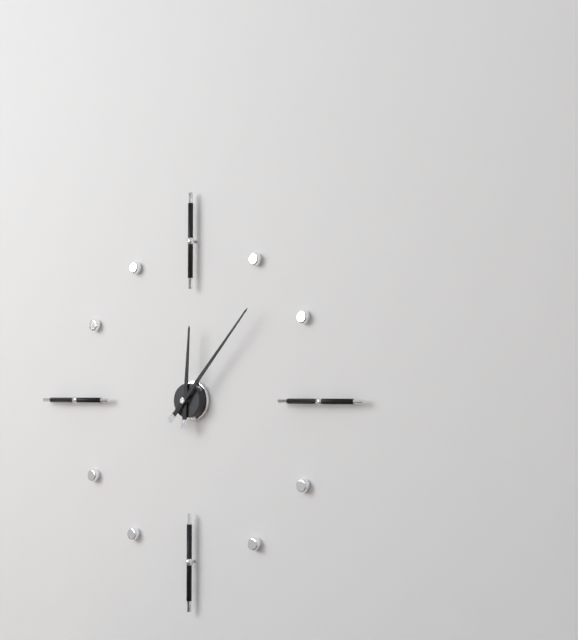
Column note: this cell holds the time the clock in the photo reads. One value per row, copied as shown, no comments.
12:07
